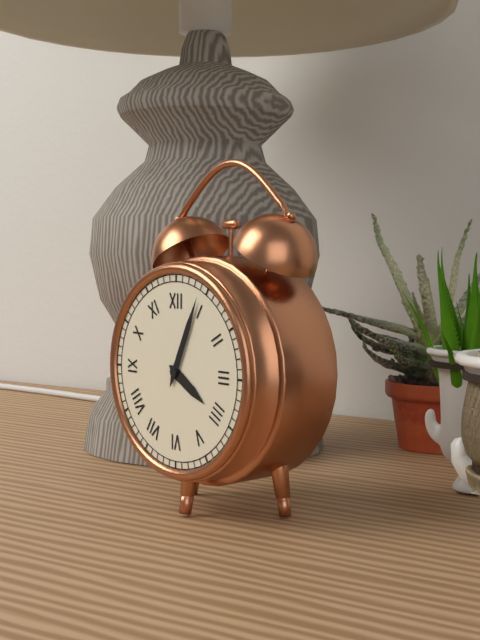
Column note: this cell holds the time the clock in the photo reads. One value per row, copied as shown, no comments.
4:04
